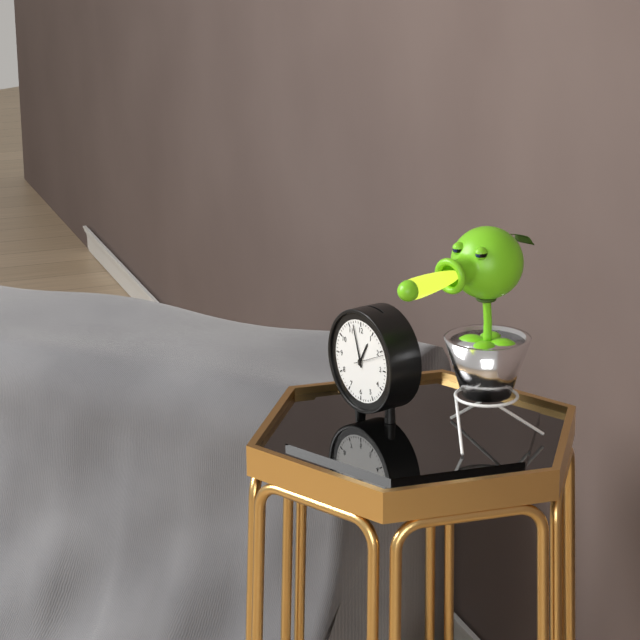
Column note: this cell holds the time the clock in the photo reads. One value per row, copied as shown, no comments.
12:57
